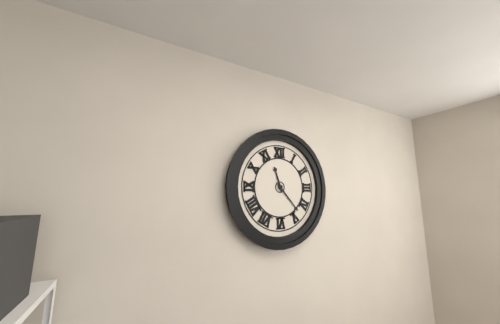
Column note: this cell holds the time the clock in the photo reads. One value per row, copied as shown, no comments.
11:23
